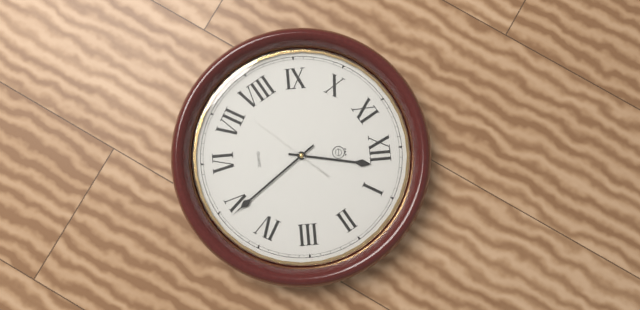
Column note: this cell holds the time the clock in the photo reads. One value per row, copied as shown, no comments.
12:24:37
